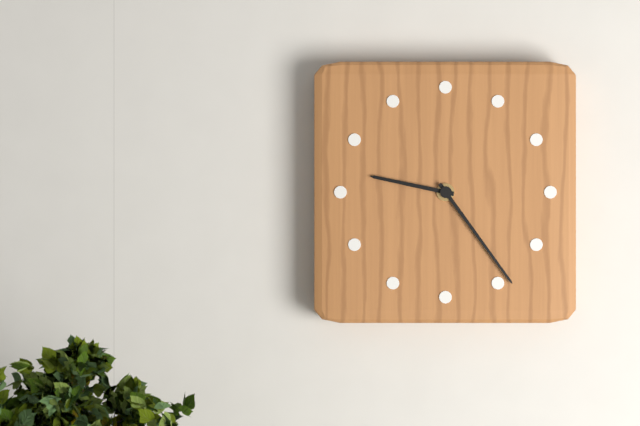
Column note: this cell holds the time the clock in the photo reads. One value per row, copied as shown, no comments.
9:24
